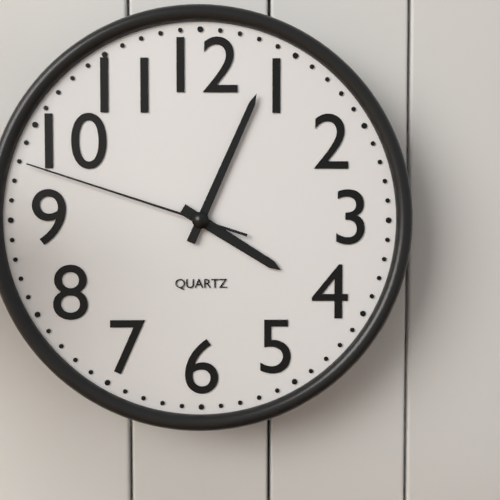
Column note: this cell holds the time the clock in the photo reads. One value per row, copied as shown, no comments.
4:04:48
